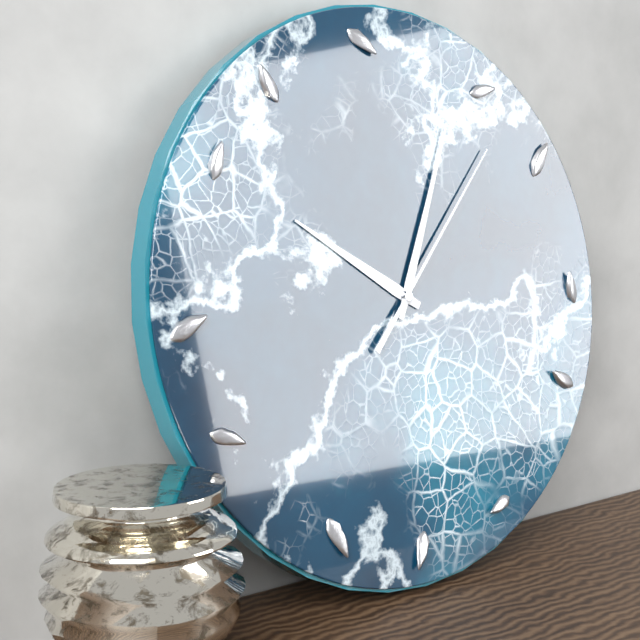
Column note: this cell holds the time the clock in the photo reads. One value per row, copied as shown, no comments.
10:04:07
